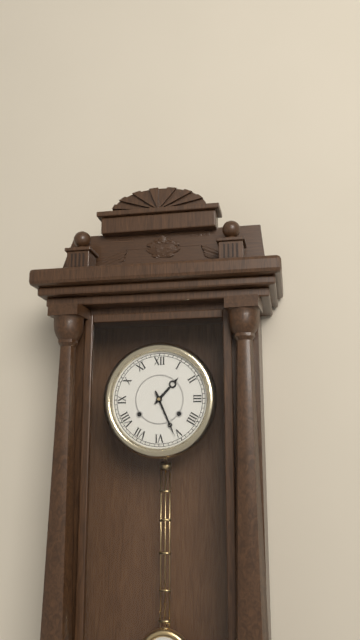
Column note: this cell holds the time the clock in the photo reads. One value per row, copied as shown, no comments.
1:26
